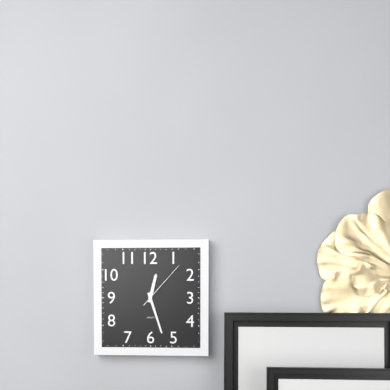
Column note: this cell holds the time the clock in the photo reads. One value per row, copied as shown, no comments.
12:27:07
